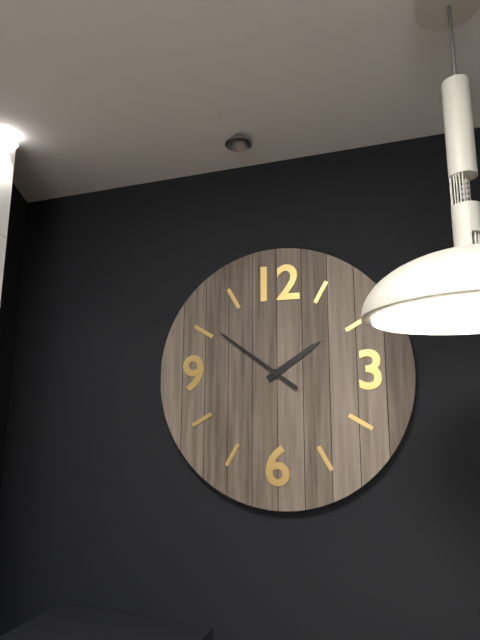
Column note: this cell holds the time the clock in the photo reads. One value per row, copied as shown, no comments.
1:51
